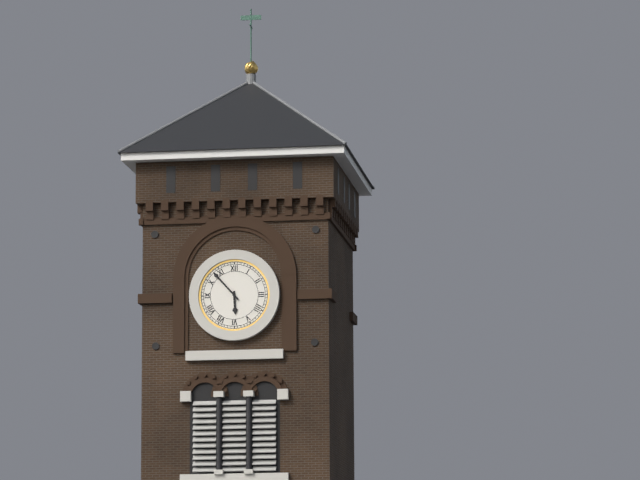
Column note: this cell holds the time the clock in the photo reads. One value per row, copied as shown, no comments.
5:53
